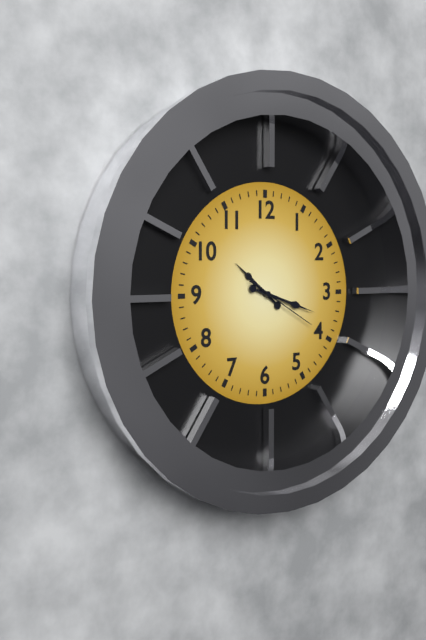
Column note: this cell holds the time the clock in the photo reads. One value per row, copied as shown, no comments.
10:18:20
